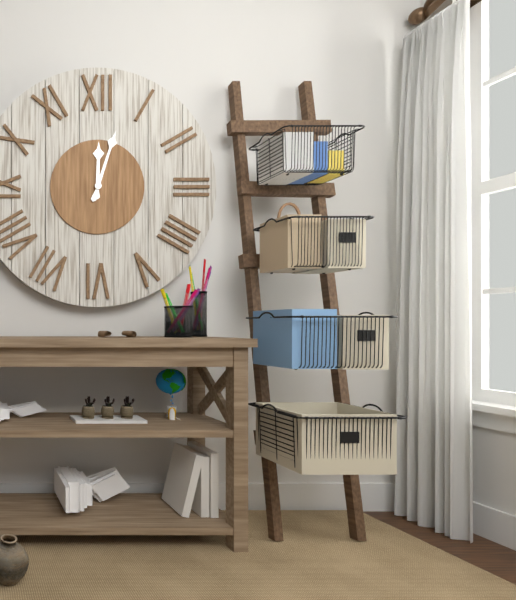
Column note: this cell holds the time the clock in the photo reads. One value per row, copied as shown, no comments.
12:03
